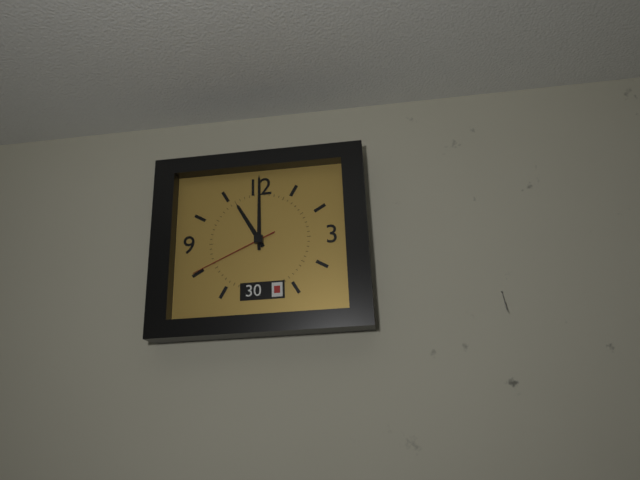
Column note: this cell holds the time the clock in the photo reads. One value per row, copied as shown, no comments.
11:00:41
